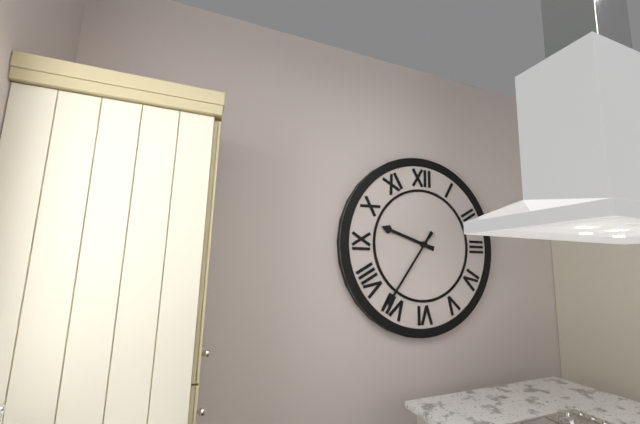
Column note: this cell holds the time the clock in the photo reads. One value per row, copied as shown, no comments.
9:36
